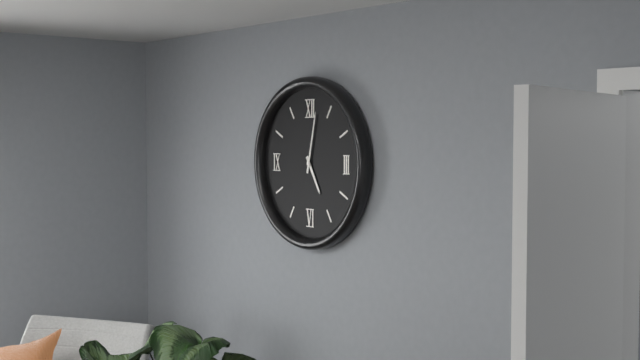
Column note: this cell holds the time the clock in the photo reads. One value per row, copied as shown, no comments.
5:02
